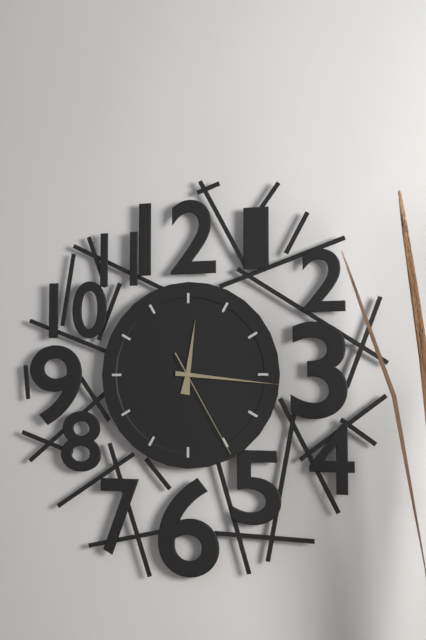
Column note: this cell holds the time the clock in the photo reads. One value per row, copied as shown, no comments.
12:16:25
